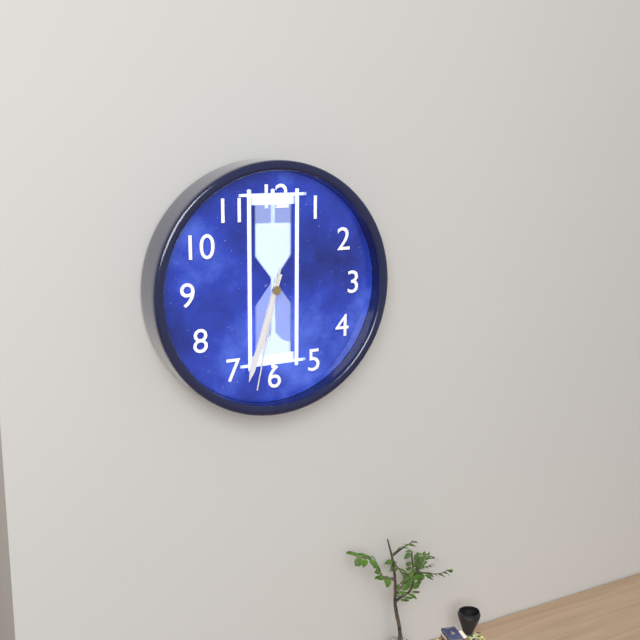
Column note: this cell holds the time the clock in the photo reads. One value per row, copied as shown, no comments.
6:33:32
